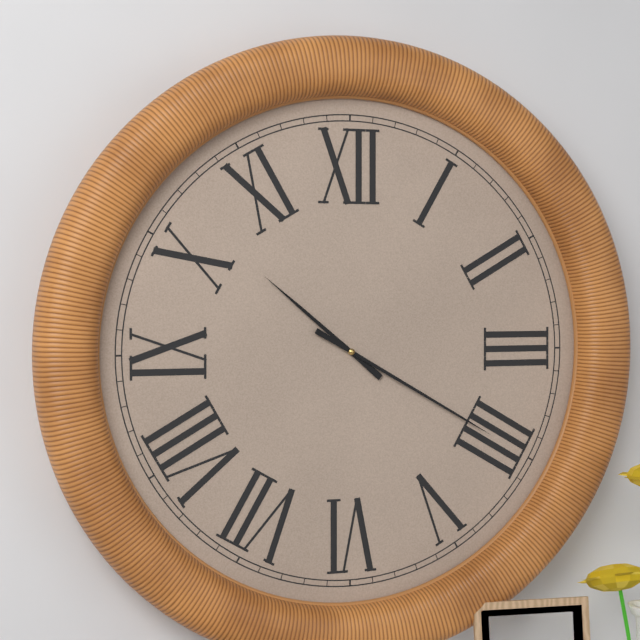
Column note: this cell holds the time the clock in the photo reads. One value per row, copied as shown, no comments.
10:20
